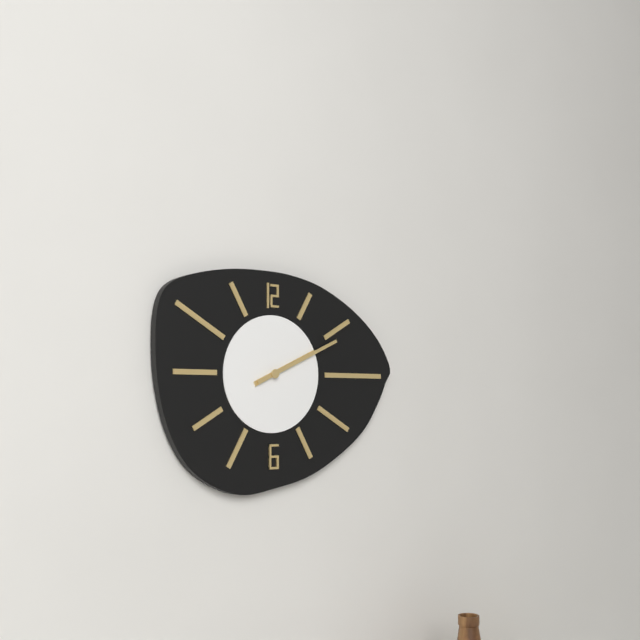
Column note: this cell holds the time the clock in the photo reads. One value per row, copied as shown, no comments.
2:11
